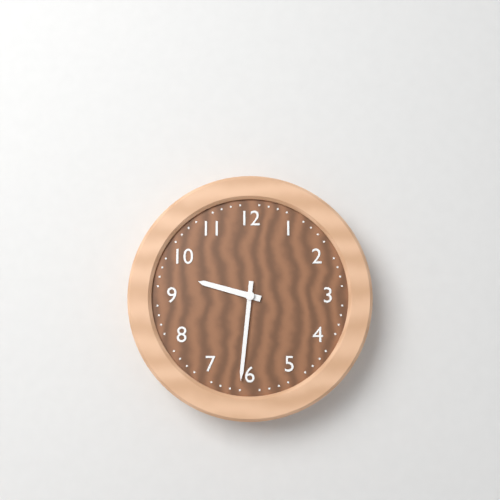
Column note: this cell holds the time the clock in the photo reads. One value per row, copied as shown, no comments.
9:31
